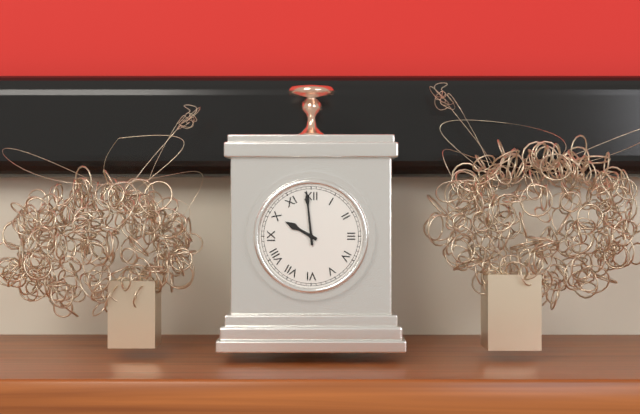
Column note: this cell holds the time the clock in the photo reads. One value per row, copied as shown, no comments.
9:59
